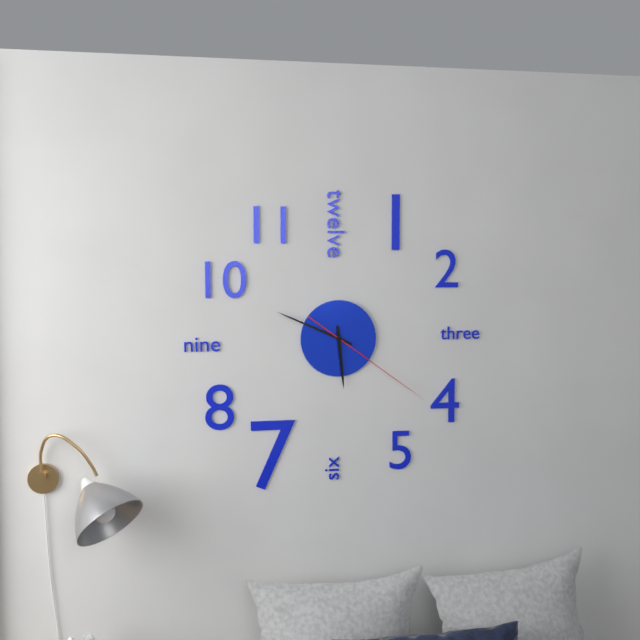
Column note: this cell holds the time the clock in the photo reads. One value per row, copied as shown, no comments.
5:49:21
